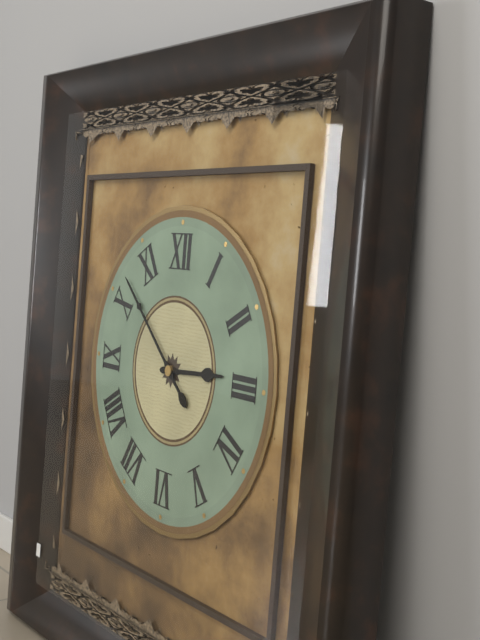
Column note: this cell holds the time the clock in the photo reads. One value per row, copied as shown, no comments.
2:52
